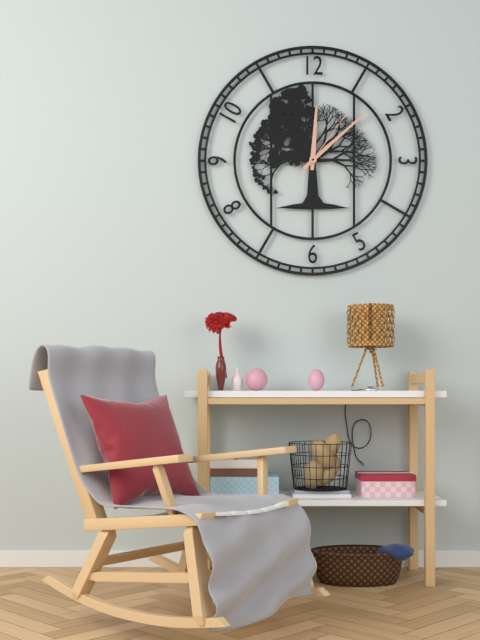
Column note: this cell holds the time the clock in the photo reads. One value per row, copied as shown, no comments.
12:08:06
